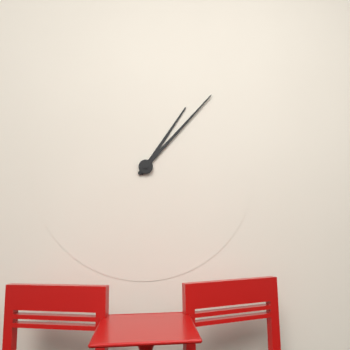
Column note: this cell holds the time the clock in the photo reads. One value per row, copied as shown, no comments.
1:07
